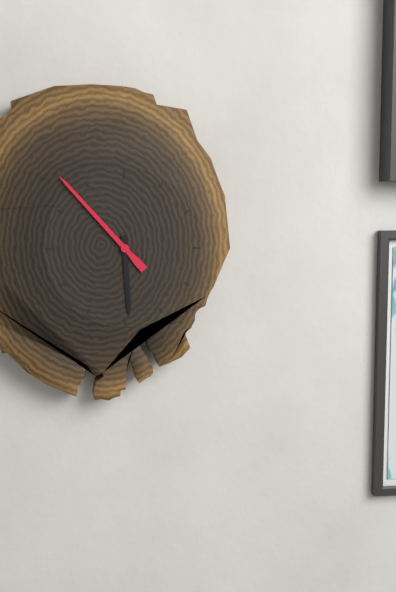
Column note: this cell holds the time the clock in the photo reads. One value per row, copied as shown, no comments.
5:53
